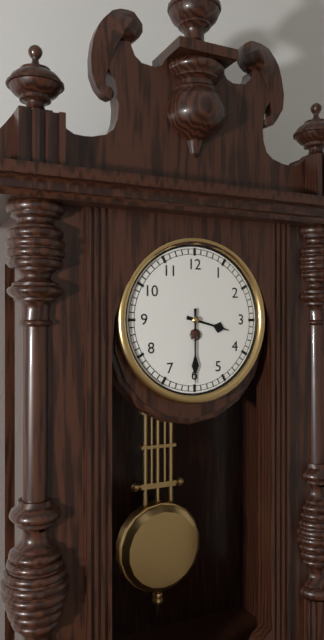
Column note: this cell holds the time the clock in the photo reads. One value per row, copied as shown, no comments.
3:30
